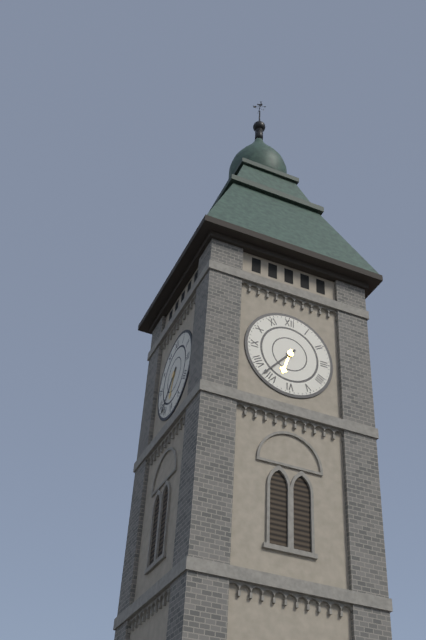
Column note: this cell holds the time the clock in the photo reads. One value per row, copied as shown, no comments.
6:37
